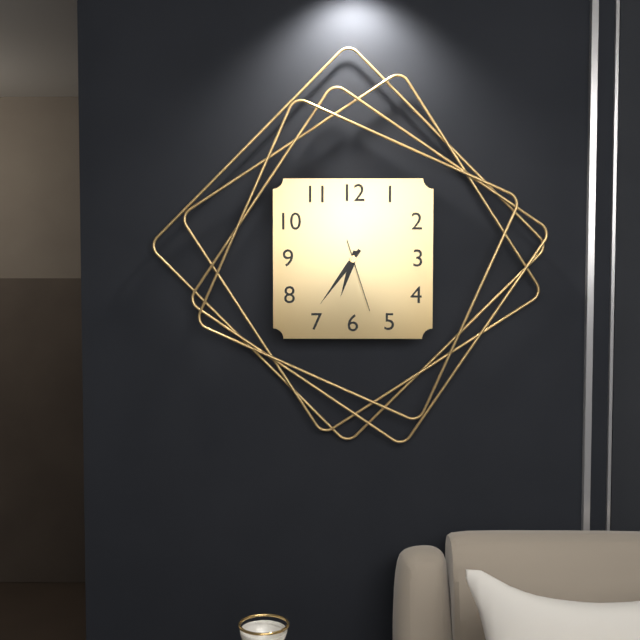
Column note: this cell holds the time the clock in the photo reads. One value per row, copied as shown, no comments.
6:36:27
